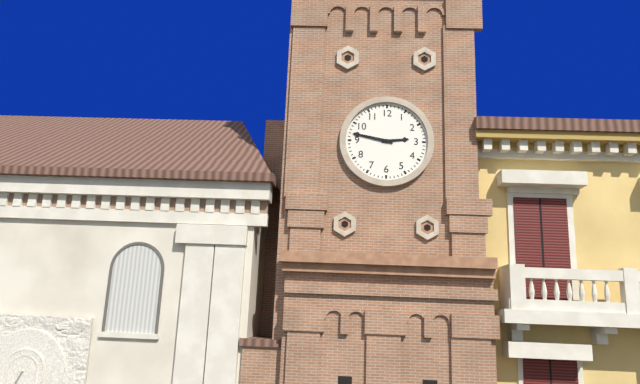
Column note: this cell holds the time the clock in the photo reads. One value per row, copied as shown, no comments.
2:47
